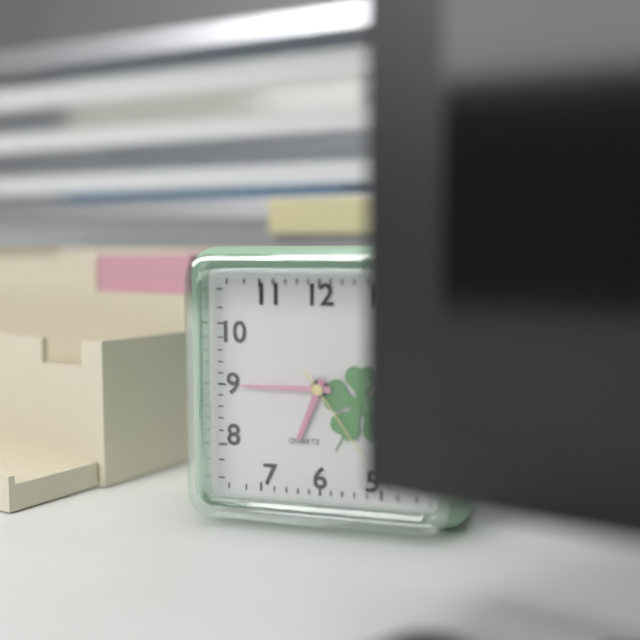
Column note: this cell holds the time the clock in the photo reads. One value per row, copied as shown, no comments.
6:45:24
